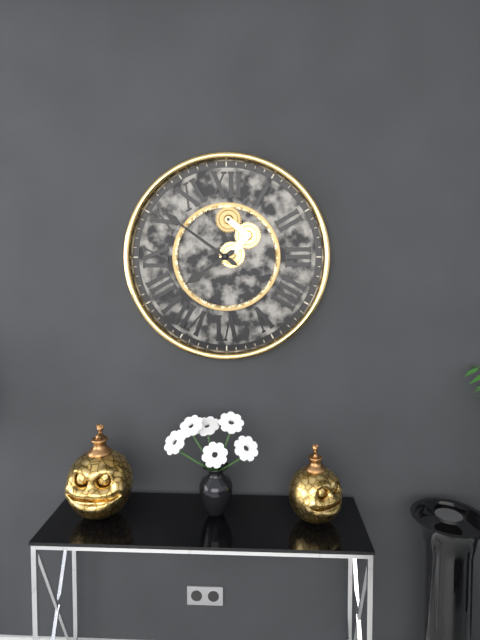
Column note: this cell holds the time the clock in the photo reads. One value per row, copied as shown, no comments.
7:51
